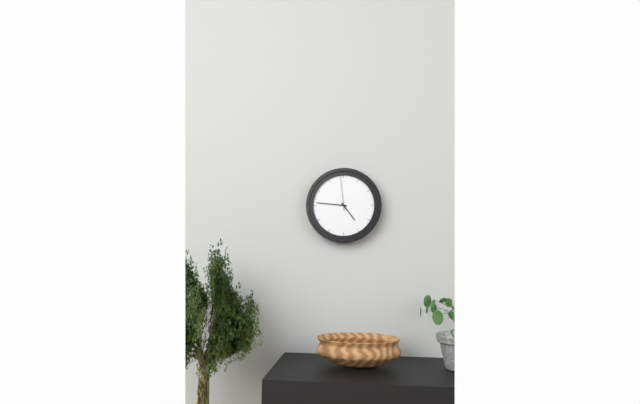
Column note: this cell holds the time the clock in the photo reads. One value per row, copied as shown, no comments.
4:46
